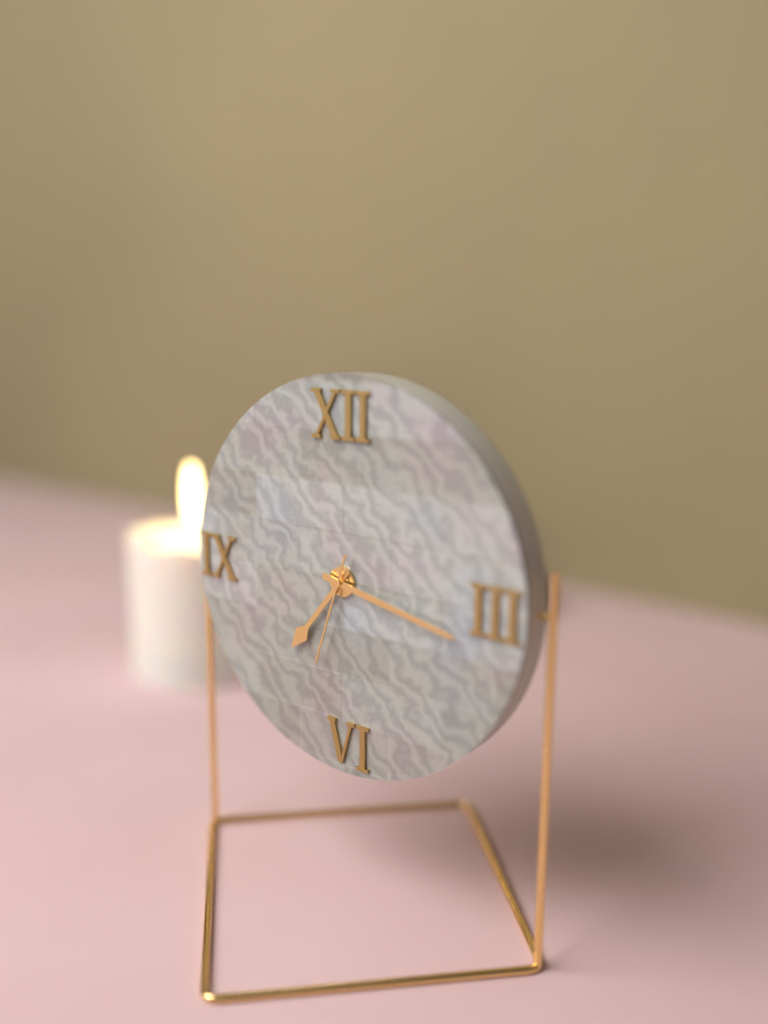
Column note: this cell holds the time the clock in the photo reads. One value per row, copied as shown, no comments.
7:17:33
